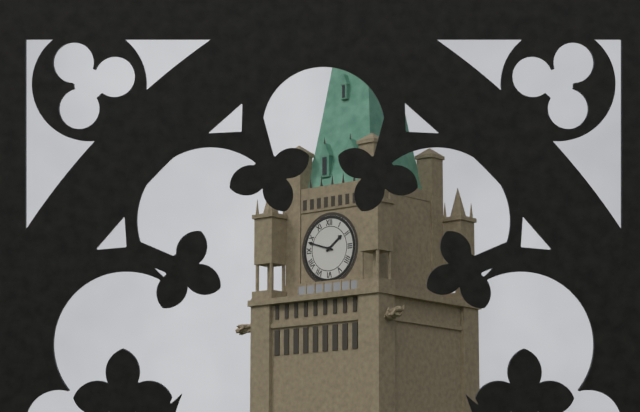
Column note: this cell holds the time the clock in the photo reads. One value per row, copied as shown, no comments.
1:48
